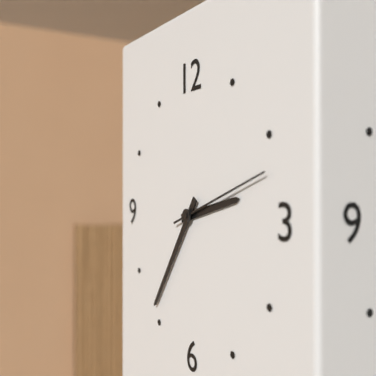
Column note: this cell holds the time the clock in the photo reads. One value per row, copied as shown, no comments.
2:36:12
